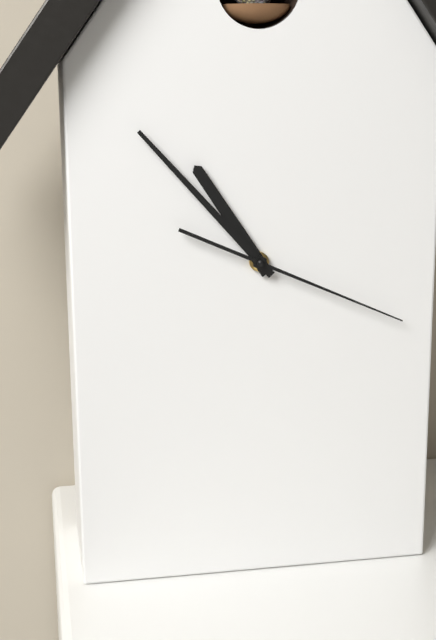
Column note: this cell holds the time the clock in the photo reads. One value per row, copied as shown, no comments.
10:53:19
